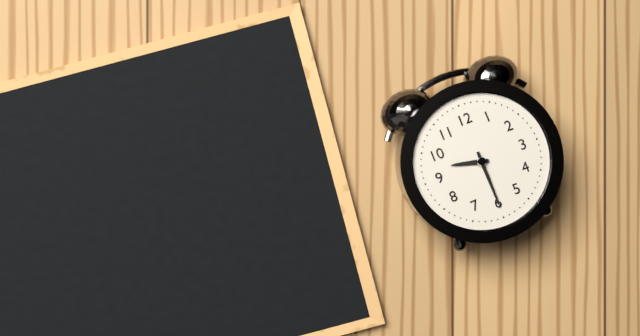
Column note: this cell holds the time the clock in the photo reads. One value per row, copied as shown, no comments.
9:30
